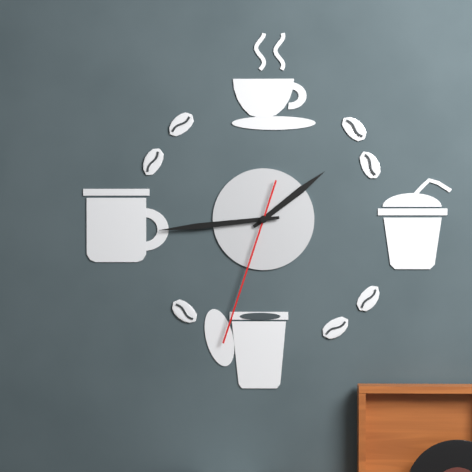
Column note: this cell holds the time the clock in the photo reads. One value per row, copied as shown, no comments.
1:44:33
